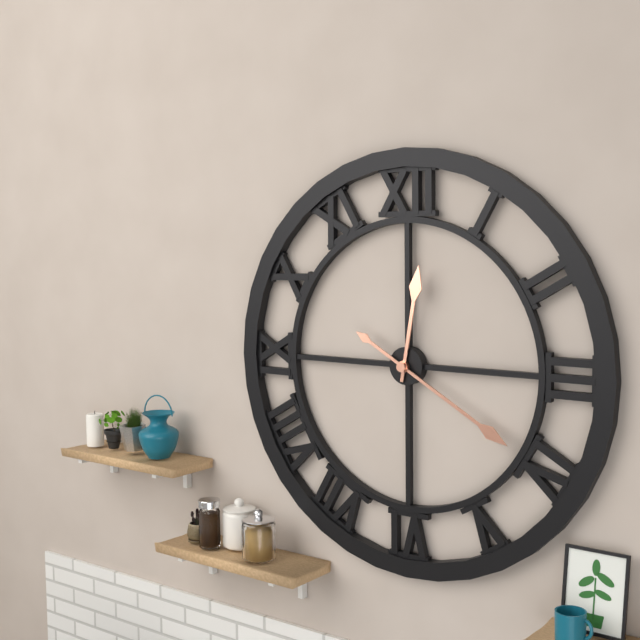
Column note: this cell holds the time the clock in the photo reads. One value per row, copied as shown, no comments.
12:20
